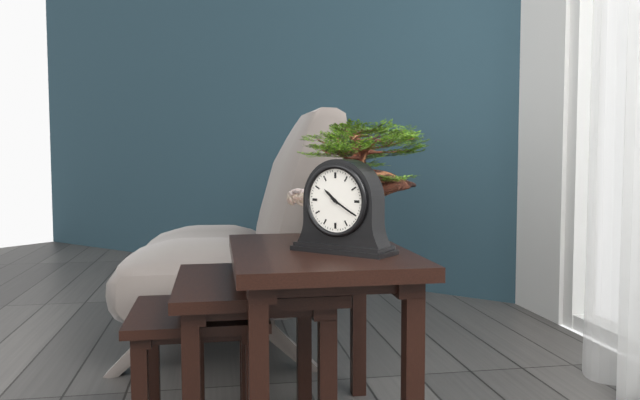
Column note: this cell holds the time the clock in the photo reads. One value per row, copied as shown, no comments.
10:20
